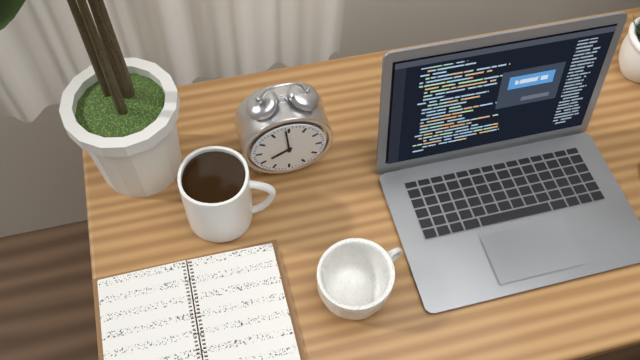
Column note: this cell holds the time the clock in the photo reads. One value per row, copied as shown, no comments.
7:59
